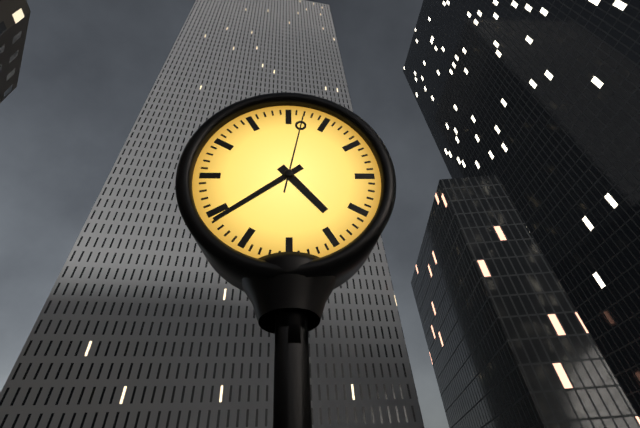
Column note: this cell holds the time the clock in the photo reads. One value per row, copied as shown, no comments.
4:39:02
